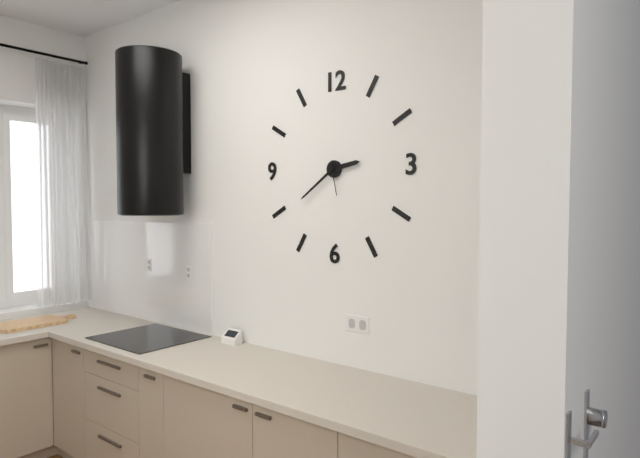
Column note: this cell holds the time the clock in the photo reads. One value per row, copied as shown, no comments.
2:39
